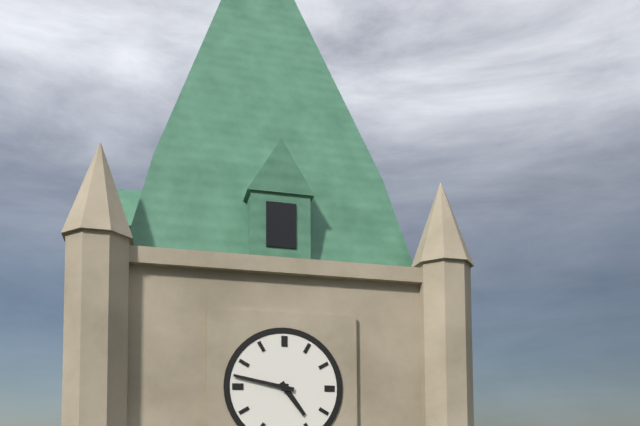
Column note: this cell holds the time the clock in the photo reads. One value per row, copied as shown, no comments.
4:47
